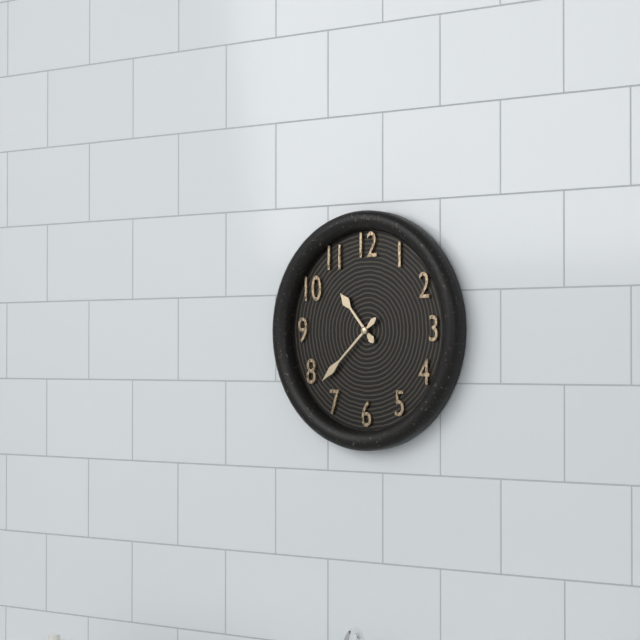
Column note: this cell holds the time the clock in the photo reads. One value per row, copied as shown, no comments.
10:38
